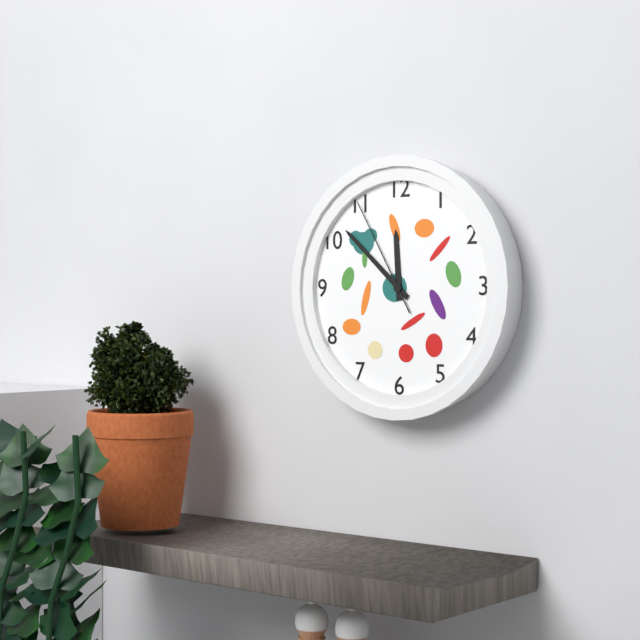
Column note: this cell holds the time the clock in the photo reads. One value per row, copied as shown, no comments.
11:52:55
